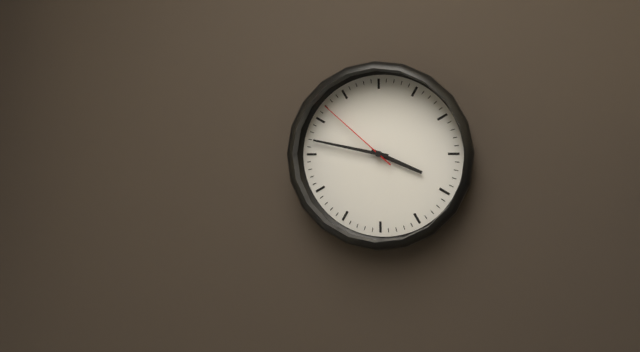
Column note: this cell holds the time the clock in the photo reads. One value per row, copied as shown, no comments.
3:47:52
